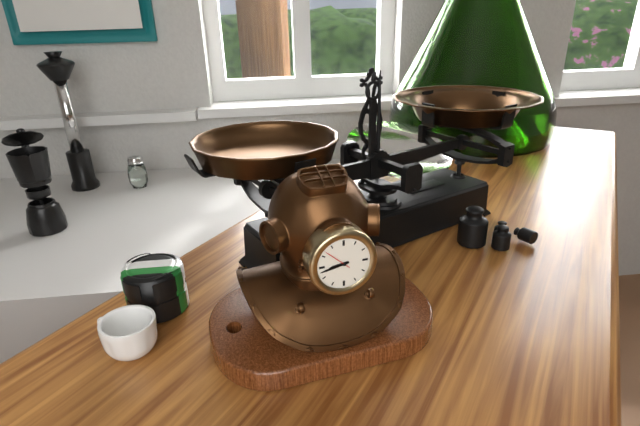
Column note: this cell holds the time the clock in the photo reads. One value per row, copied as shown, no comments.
8:43
